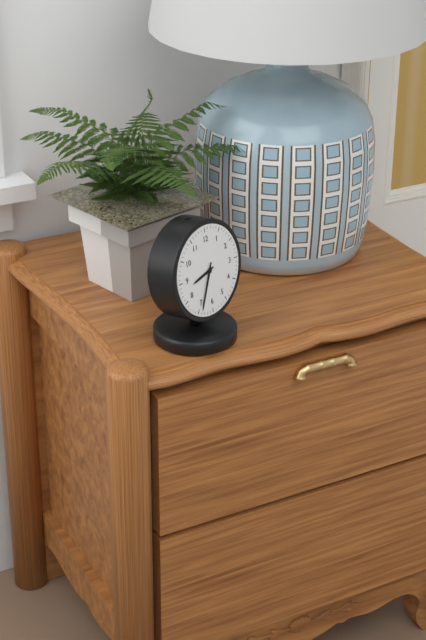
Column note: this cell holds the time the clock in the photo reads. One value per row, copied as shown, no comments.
8:34
